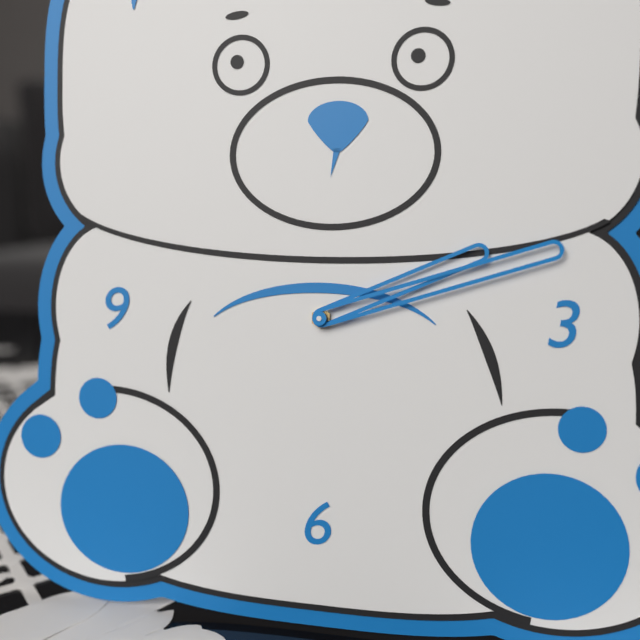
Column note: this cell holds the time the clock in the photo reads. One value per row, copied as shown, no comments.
2:12
